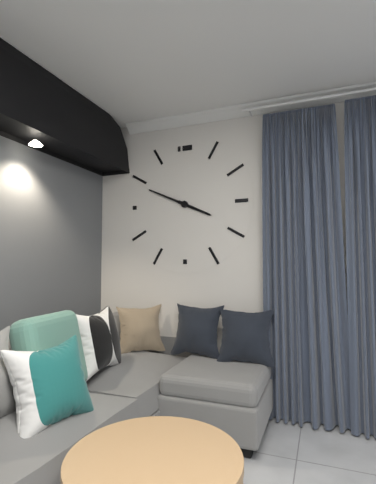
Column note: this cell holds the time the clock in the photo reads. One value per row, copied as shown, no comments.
3:49
